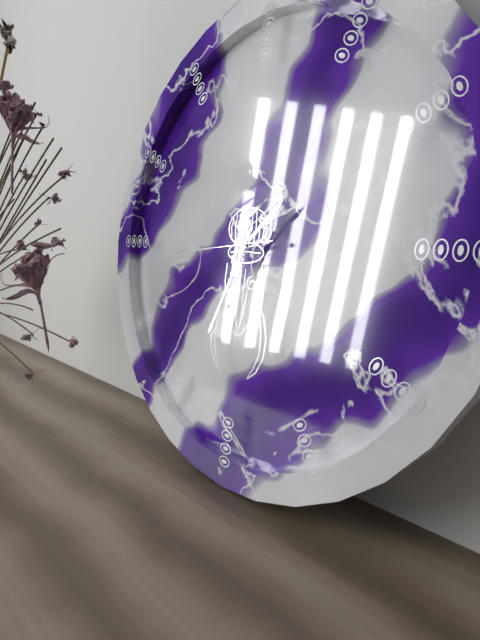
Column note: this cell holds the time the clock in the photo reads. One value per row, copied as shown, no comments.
1:34:44
